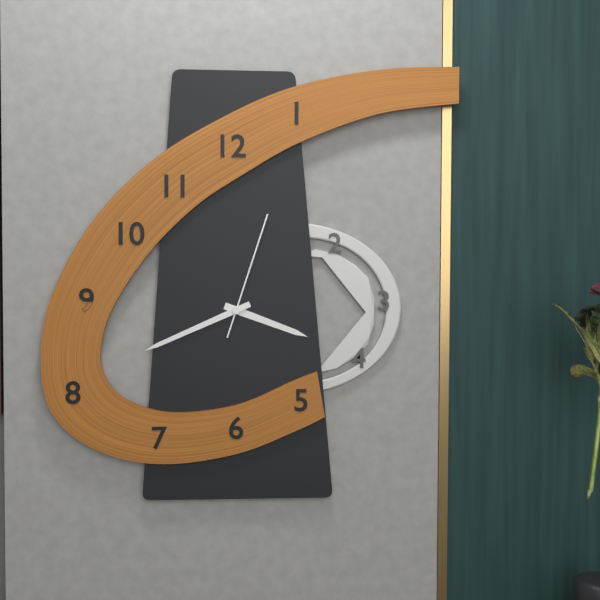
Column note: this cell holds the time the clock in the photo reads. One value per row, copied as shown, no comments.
3:41:03
